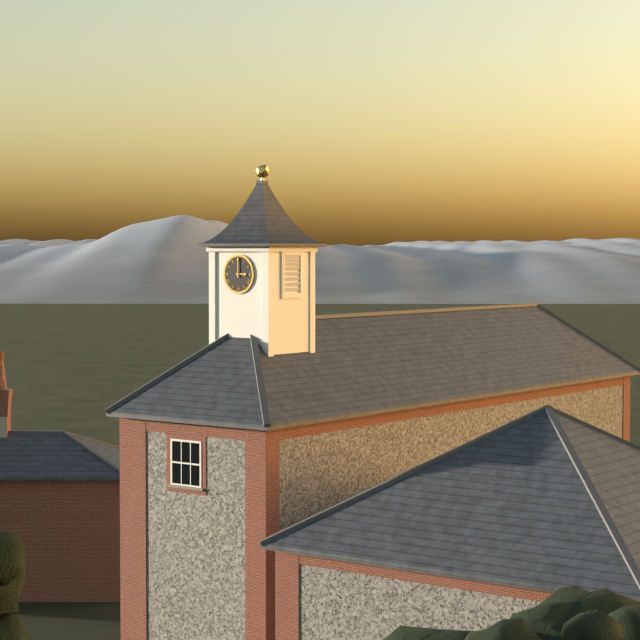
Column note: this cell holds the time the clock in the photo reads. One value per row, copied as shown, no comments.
3:00
